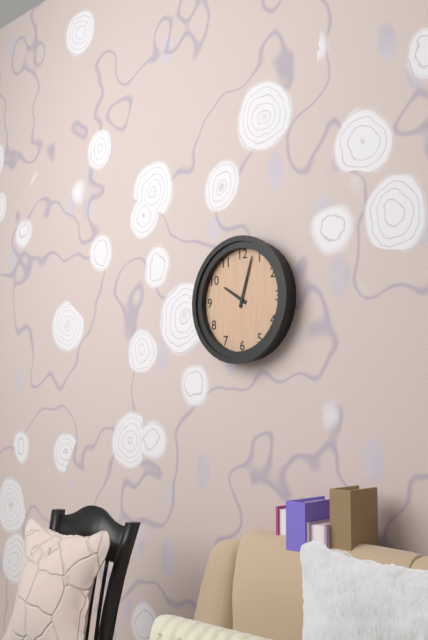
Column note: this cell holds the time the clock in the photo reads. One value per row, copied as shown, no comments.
10:03
